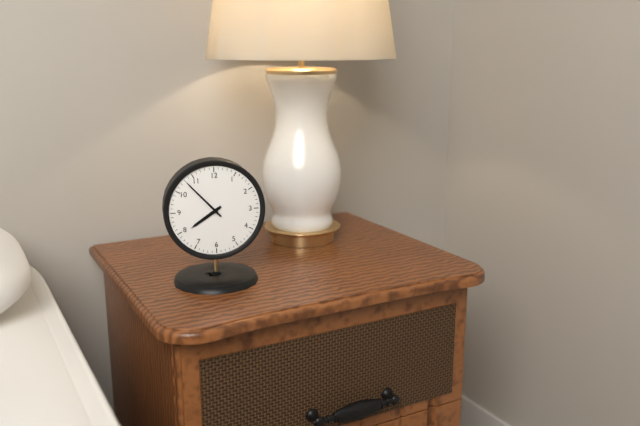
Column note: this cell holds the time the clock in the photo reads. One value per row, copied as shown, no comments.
7:53
